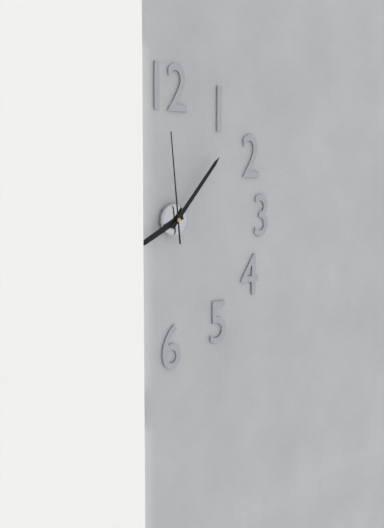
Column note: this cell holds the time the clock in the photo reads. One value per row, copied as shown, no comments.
8:07:59
